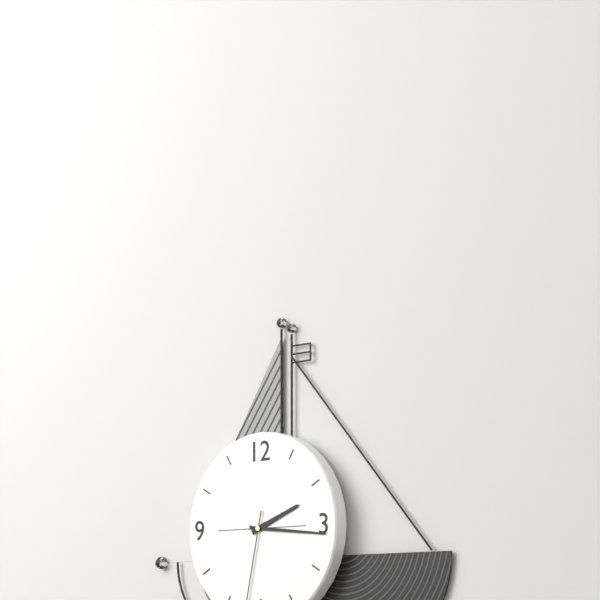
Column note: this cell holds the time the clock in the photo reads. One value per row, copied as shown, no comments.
2:16
